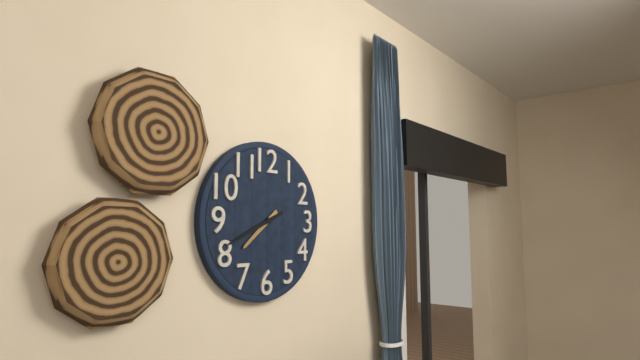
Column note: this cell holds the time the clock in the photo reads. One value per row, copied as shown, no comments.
7:41
